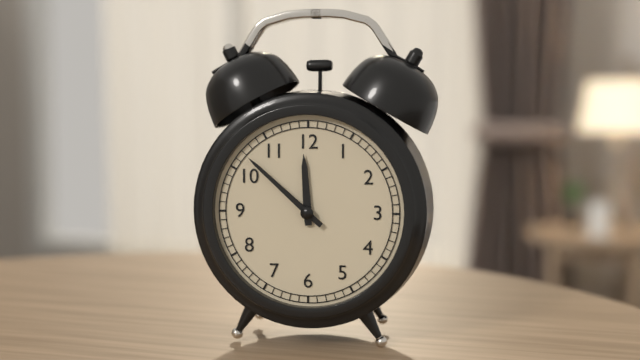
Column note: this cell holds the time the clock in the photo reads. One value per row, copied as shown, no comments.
11:52
